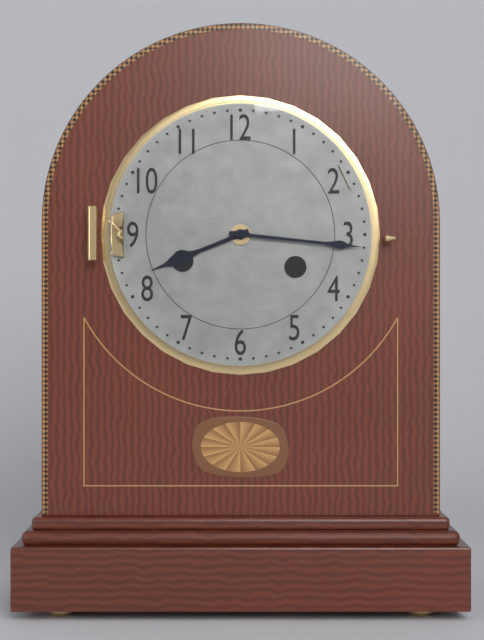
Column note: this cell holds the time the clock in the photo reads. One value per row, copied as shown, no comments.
8:16
